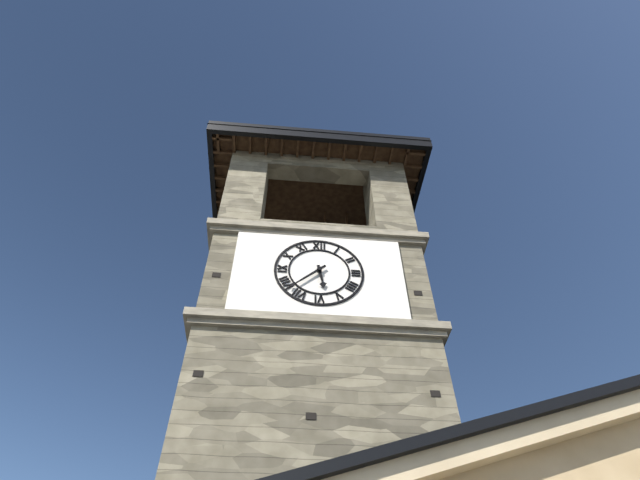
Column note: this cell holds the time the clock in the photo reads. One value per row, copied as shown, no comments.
5:38
